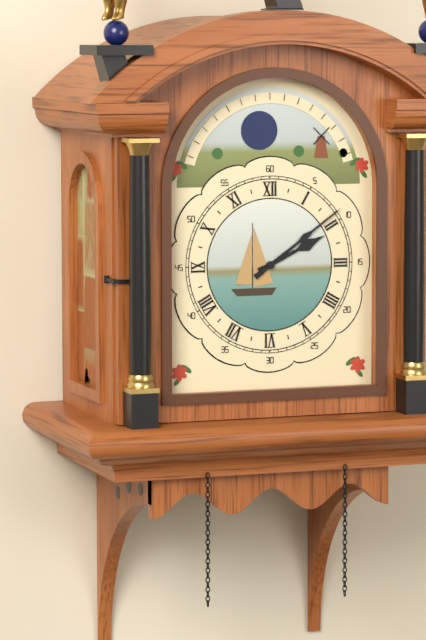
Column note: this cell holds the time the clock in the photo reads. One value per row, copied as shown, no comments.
2:09
